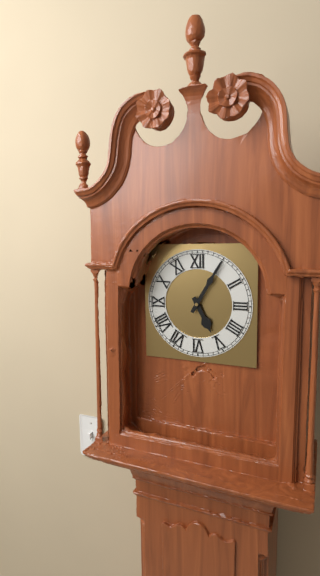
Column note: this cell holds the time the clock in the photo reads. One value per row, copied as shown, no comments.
5:05
